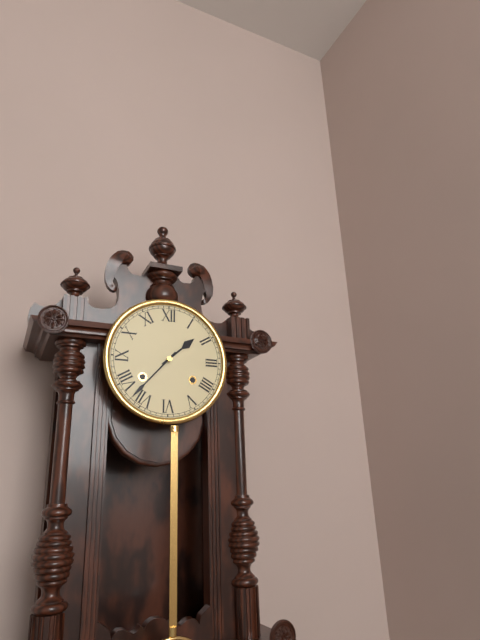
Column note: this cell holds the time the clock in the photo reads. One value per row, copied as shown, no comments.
1:37
